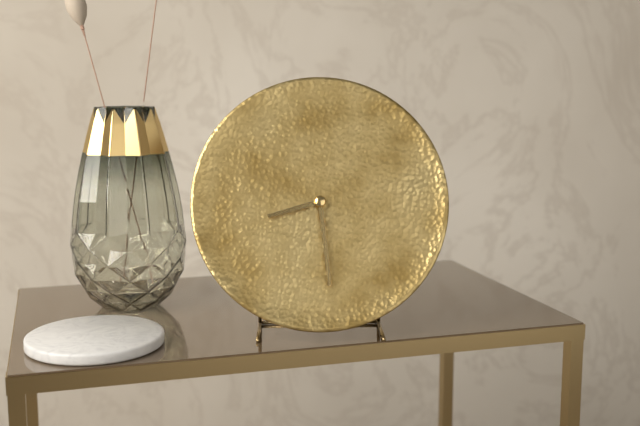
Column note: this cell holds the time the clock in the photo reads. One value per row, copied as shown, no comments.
8:29
